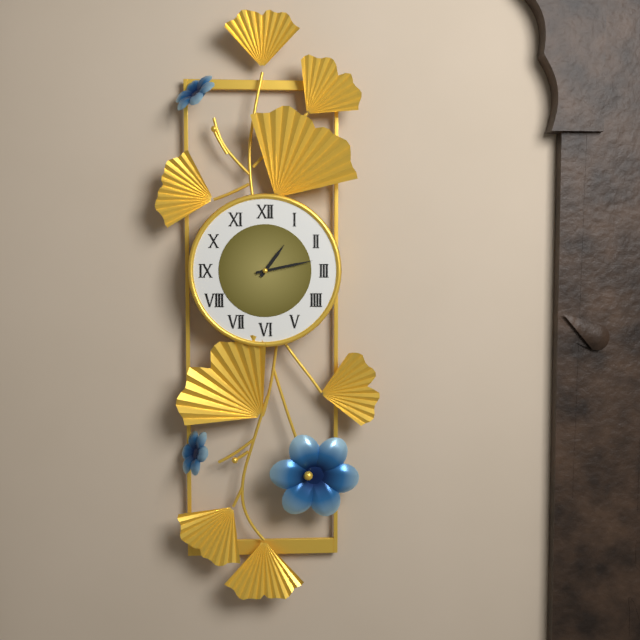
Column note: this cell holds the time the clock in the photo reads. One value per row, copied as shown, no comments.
1:13
